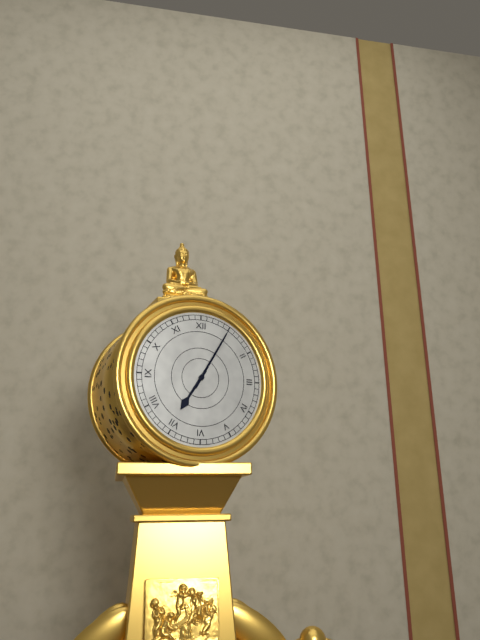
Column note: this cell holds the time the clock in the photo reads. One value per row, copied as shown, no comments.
7:05
